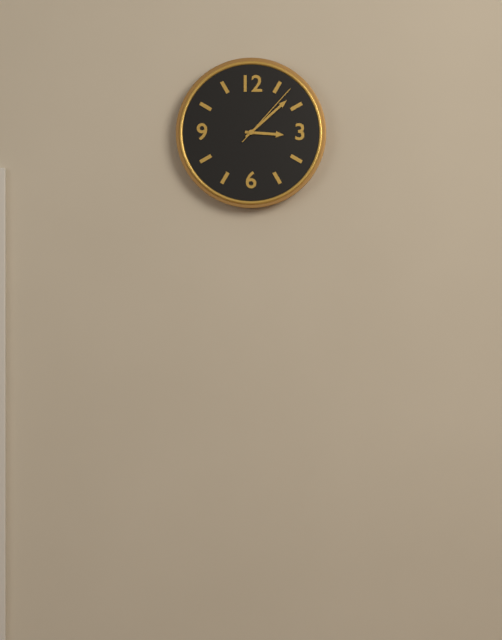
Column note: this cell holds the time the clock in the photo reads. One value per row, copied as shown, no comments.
3:08:07
